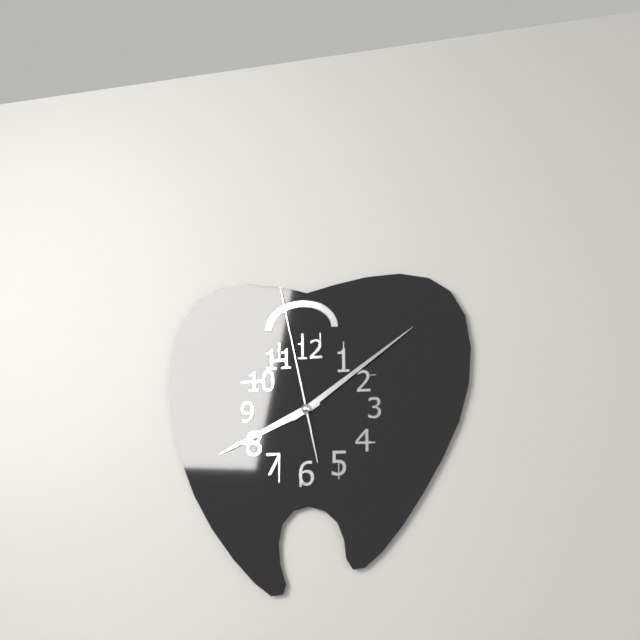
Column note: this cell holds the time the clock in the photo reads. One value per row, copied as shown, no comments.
8:09:58
